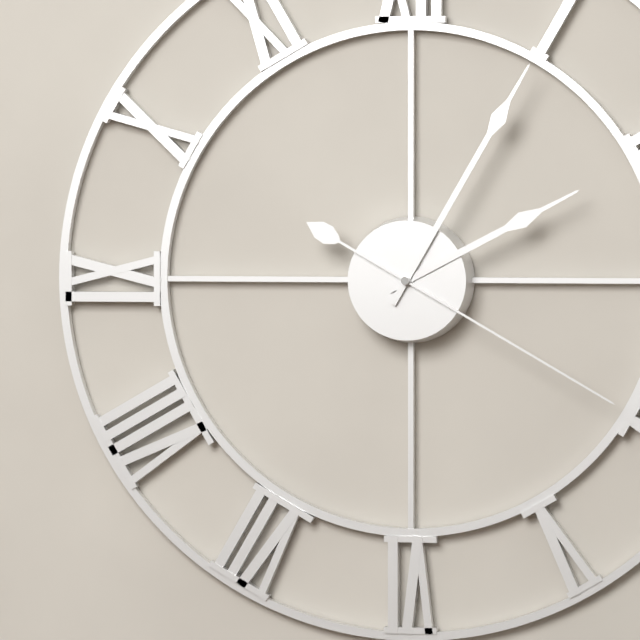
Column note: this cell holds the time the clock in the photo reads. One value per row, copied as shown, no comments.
2:05:20
